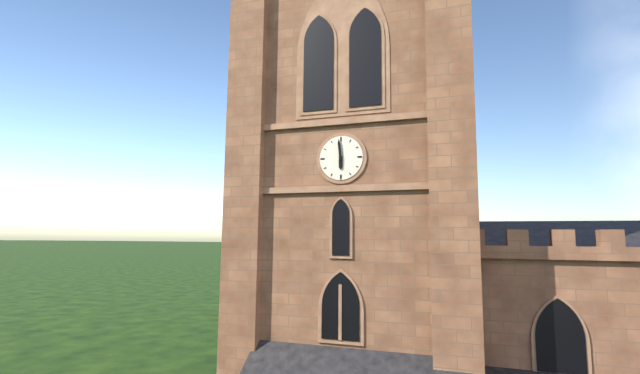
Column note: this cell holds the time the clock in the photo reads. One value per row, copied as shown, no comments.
5:59
